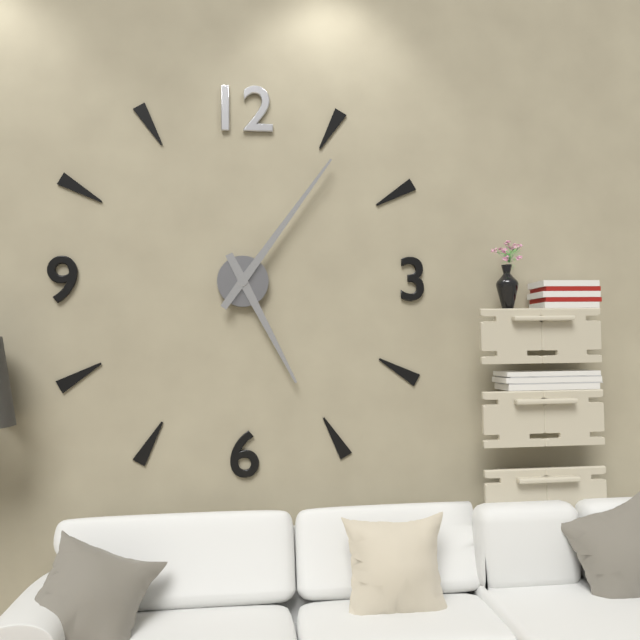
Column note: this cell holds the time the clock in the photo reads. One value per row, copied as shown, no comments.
5:06
